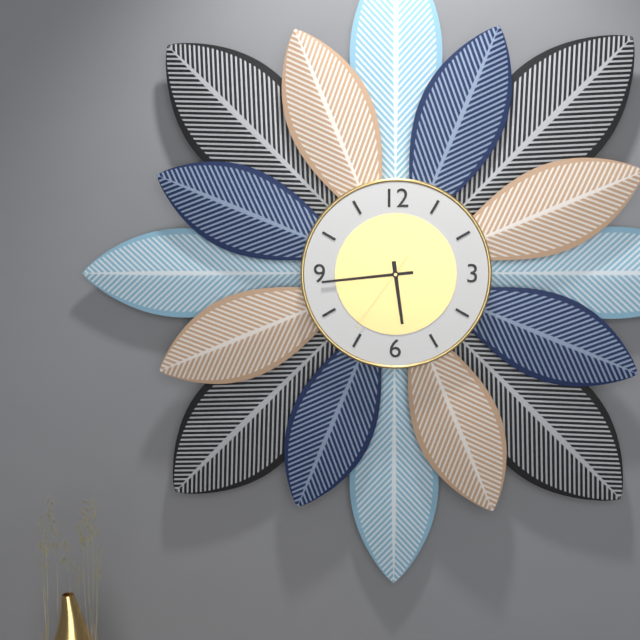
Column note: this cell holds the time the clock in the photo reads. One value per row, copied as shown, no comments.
5:44:36
